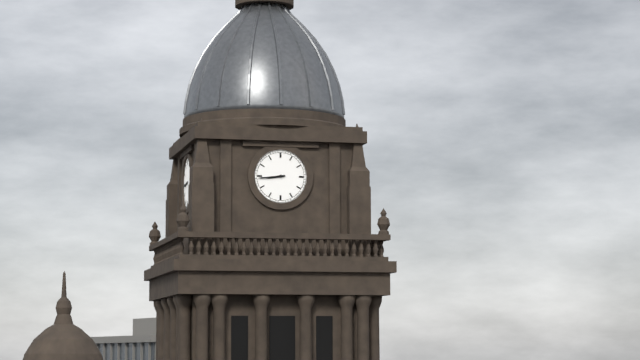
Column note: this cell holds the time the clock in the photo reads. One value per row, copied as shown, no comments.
8:44
